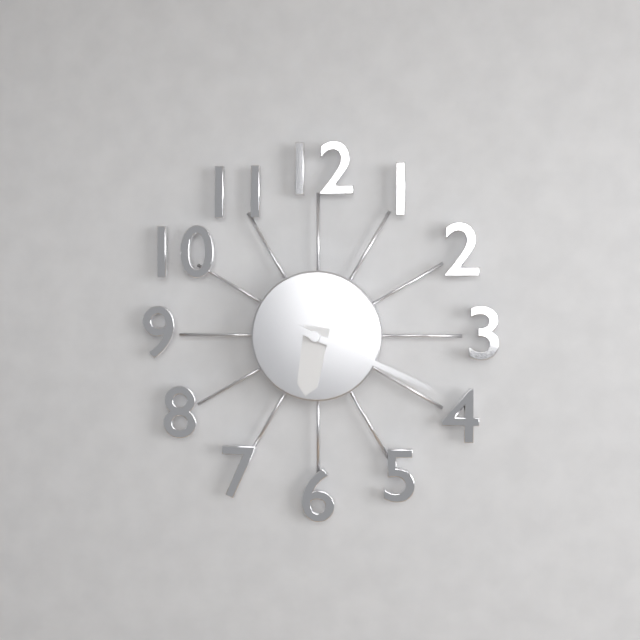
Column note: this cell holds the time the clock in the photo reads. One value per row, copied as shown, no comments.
6:19
